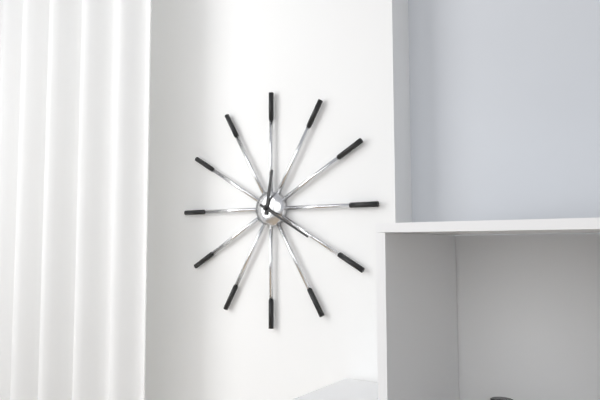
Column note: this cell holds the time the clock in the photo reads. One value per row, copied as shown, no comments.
12:20
